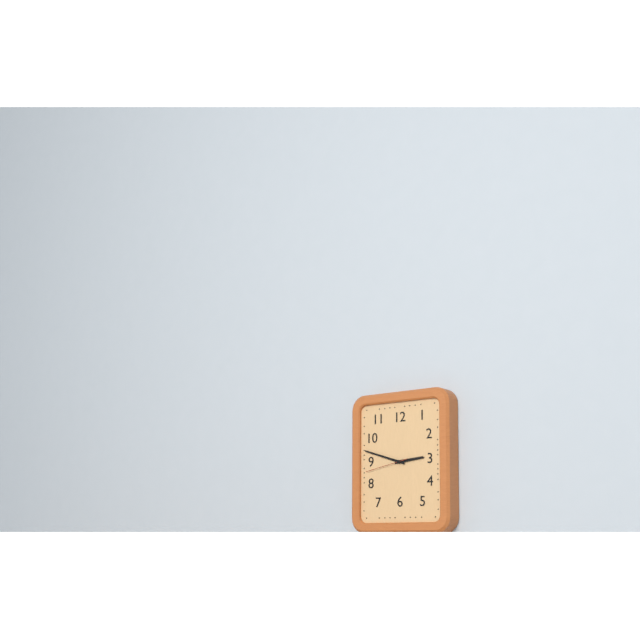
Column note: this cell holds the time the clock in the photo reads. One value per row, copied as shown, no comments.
2:48
